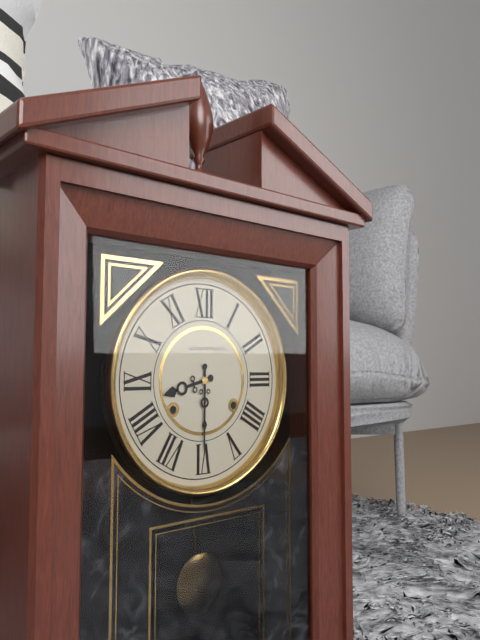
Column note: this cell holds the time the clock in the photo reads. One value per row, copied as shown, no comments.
8:30
